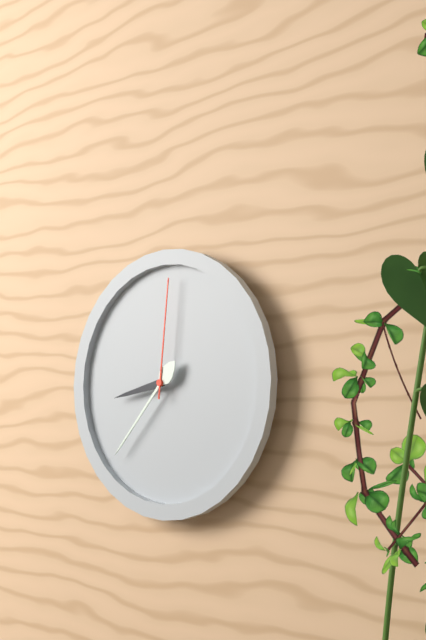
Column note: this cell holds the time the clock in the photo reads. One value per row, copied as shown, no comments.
8:37:01
